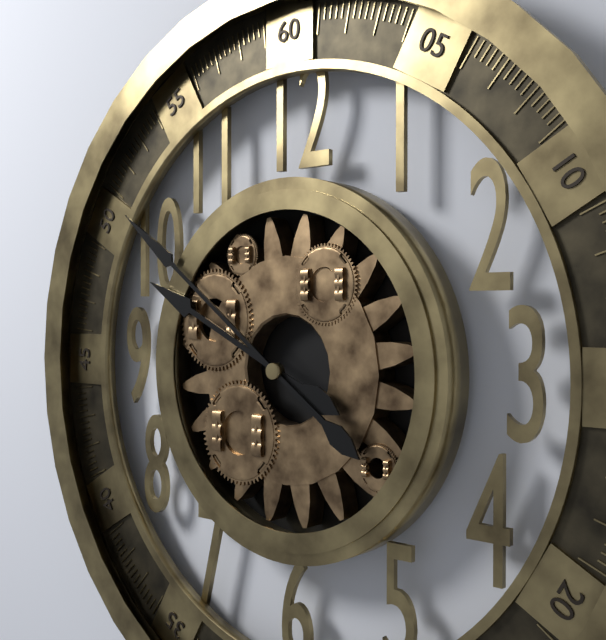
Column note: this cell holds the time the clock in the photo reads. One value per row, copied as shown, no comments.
9:51
